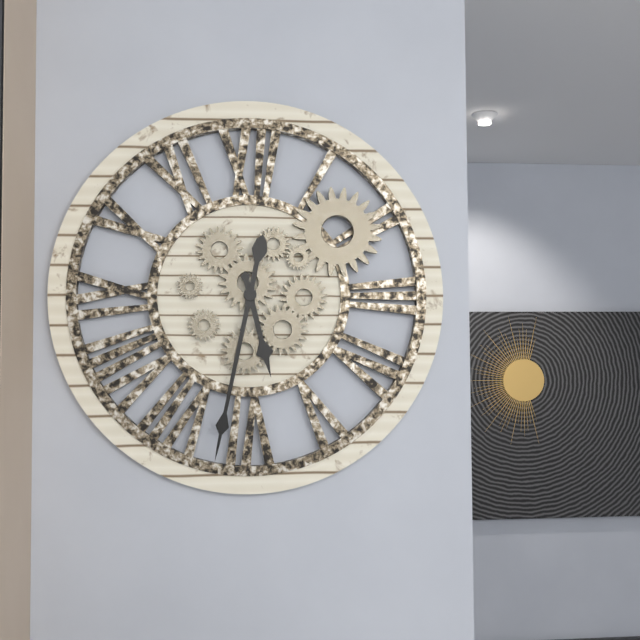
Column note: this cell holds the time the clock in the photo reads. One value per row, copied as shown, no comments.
5:32
